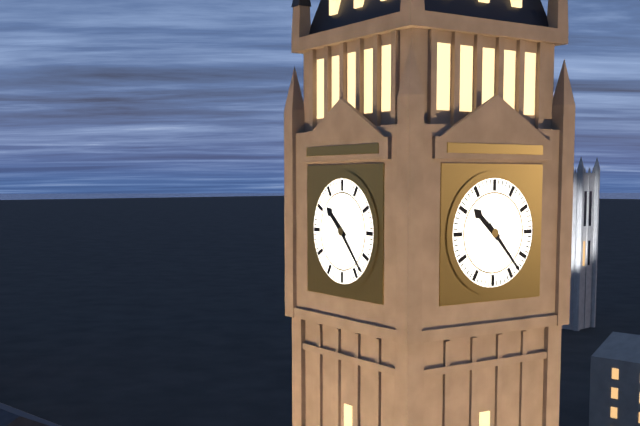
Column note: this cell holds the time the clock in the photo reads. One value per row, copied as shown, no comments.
10:23
